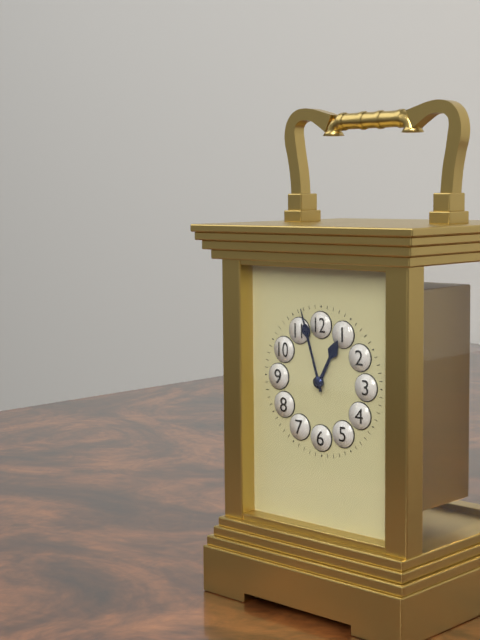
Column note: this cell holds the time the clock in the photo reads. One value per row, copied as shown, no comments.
12:57
